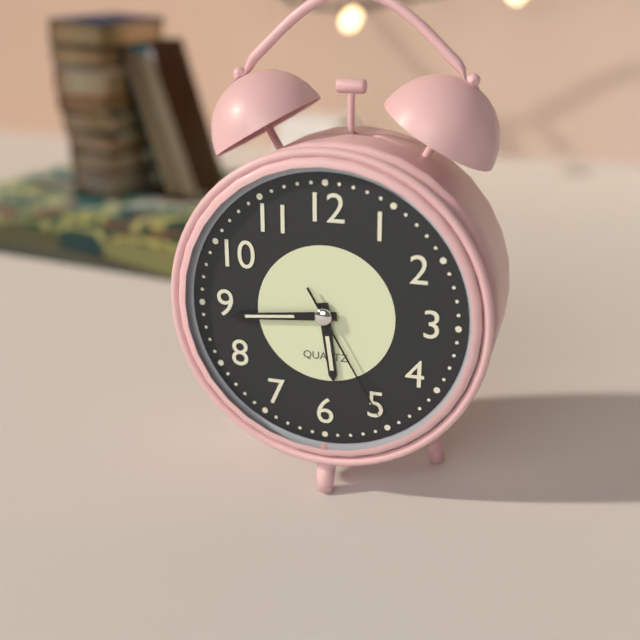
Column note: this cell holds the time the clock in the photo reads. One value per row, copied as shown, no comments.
5:44:25
